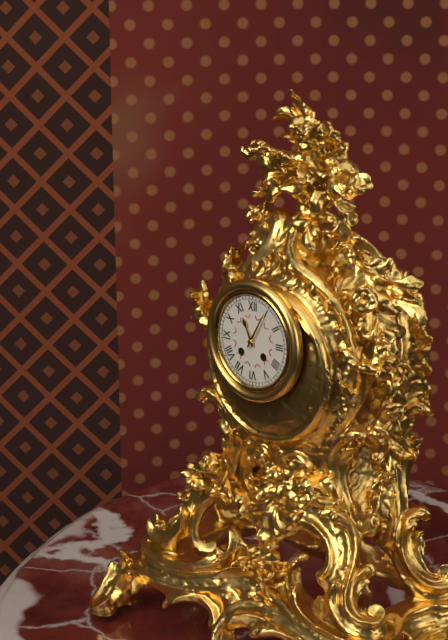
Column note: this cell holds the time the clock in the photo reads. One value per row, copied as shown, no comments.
11:05
